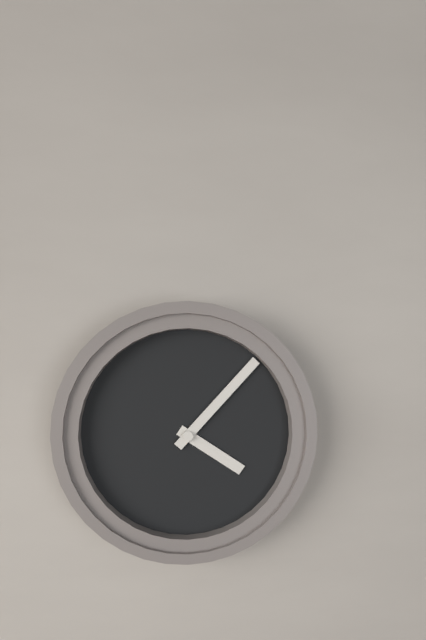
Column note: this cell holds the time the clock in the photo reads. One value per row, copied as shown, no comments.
4:07
